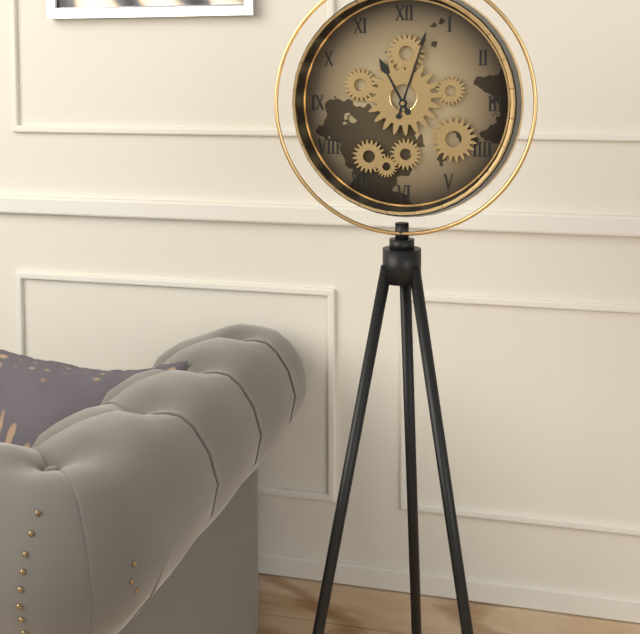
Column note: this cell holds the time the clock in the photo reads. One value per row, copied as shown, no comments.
11:03
